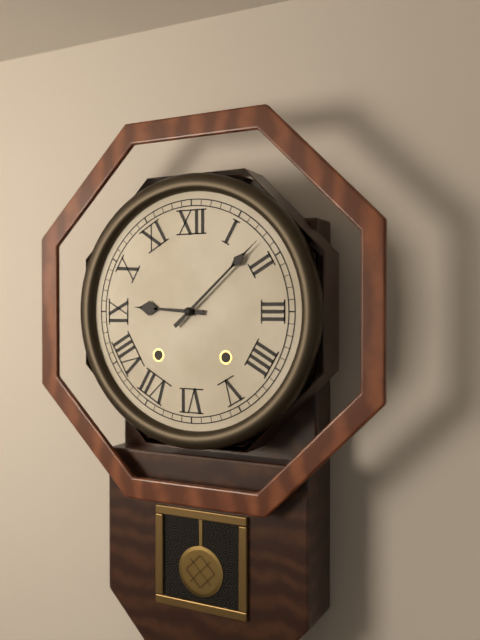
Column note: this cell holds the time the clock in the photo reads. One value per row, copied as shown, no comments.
9:08
